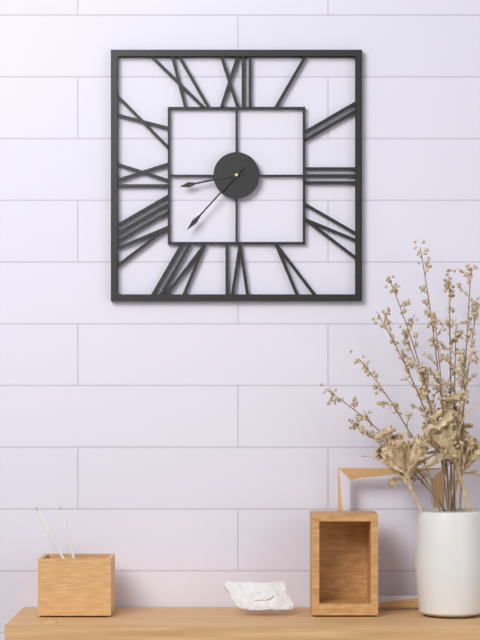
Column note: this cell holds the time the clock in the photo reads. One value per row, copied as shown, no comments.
8:37
